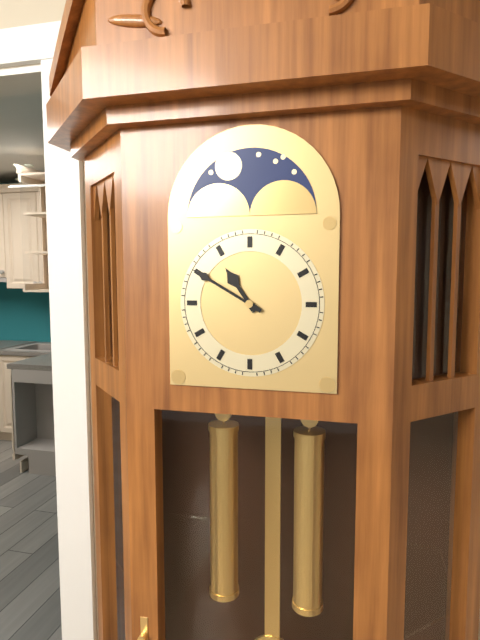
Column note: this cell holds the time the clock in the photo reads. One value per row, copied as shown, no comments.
10:50
